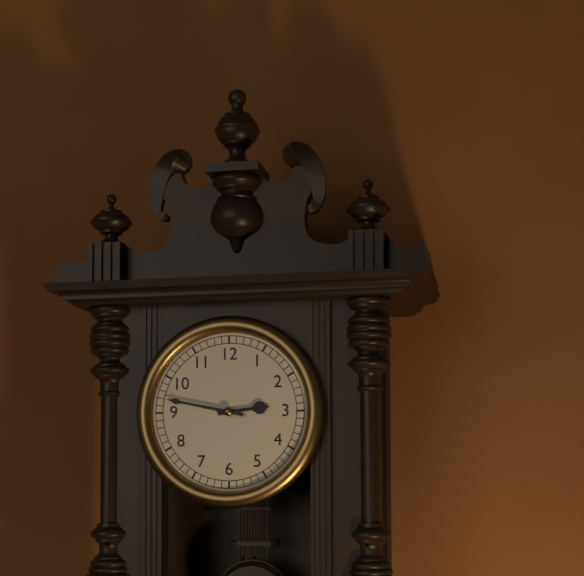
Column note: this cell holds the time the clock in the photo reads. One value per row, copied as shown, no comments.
2:47
